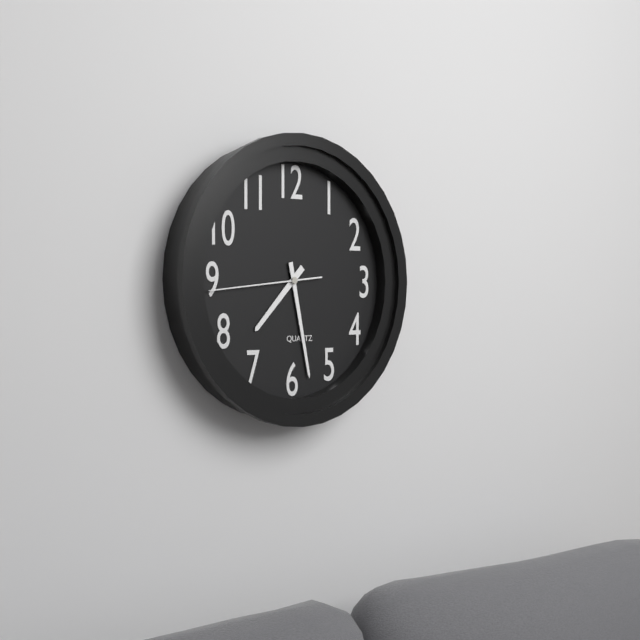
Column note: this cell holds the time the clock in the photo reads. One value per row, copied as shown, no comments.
7:28:44
